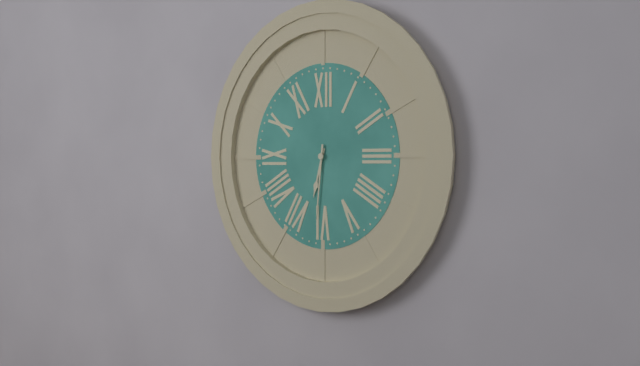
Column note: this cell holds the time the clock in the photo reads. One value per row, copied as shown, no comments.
6:31
